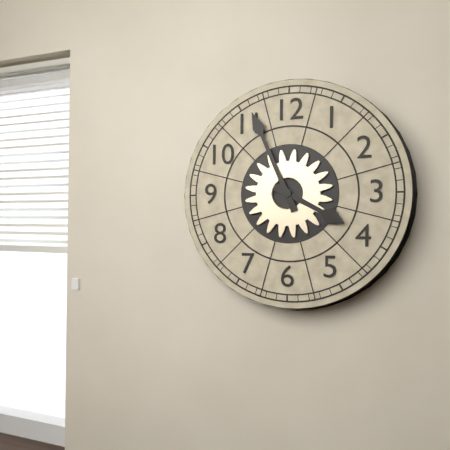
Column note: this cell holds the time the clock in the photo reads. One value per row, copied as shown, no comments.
3:56
